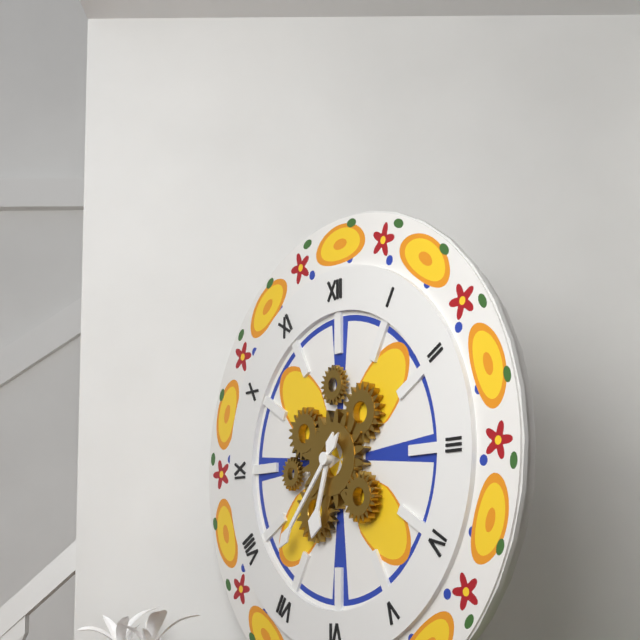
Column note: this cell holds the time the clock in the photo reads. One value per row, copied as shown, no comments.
6:37
